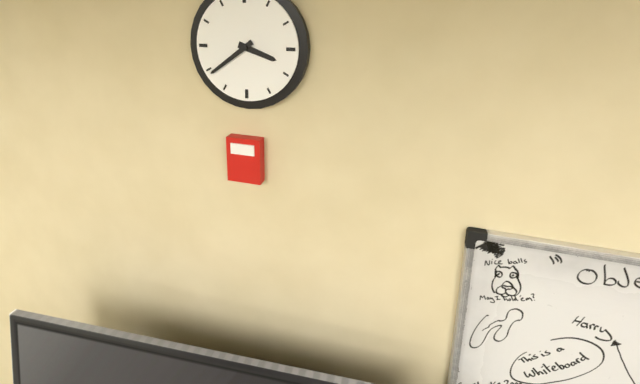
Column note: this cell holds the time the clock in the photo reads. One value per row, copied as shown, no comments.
3:39
